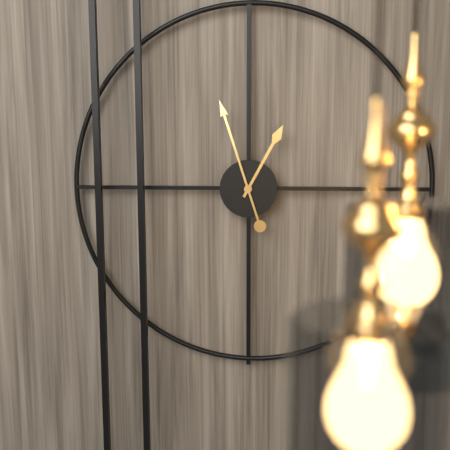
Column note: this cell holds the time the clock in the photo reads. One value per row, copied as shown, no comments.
12:57
